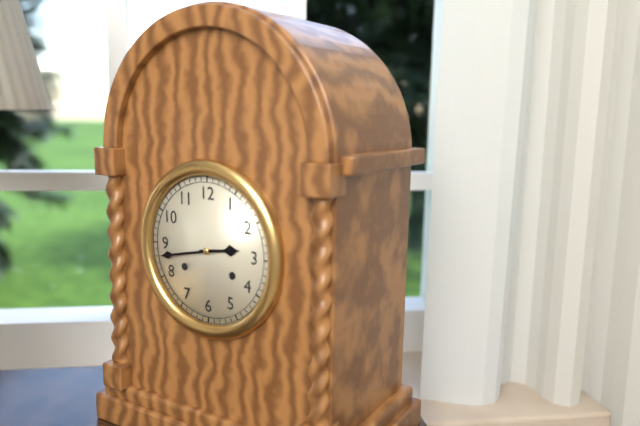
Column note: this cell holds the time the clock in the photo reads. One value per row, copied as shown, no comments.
2:43
